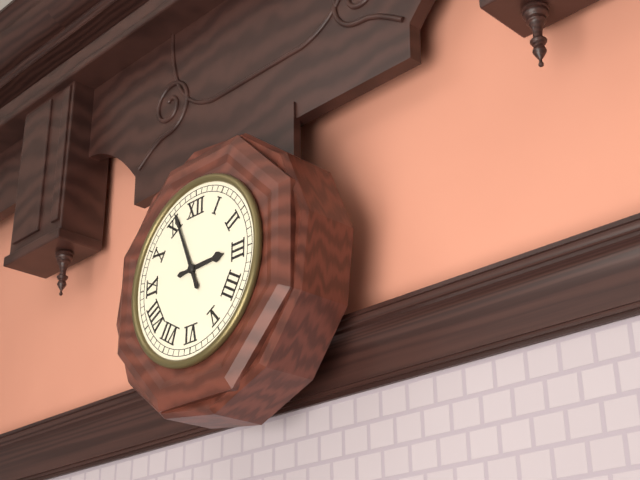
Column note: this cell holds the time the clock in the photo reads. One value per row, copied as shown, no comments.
2:56
